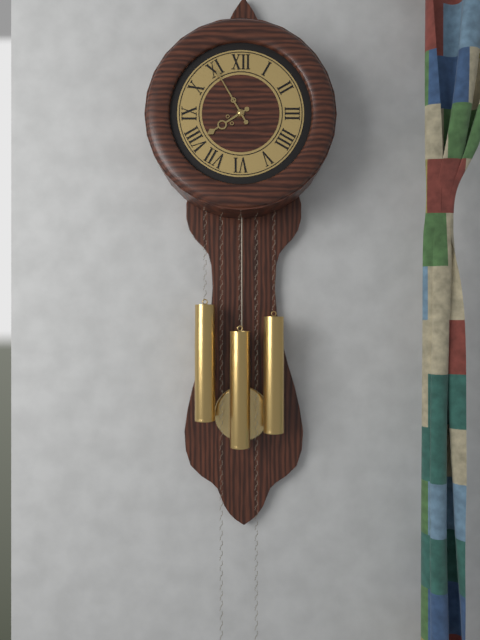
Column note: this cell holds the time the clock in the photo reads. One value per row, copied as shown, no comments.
7:55
